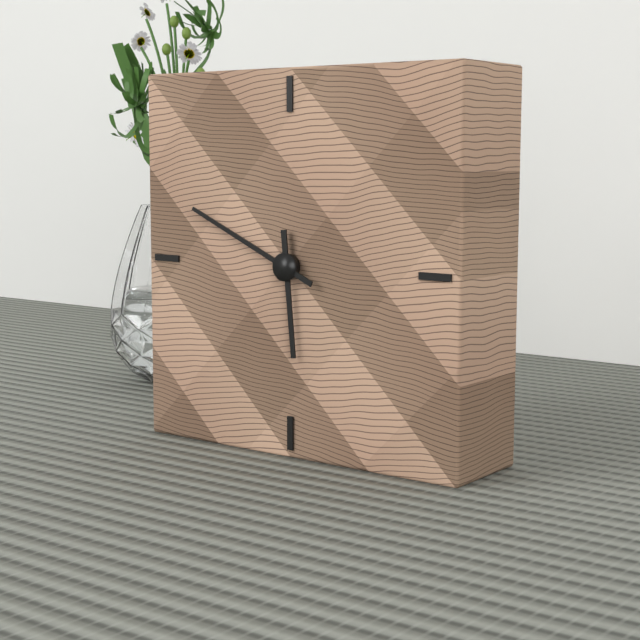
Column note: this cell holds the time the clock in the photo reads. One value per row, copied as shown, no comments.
5:49
